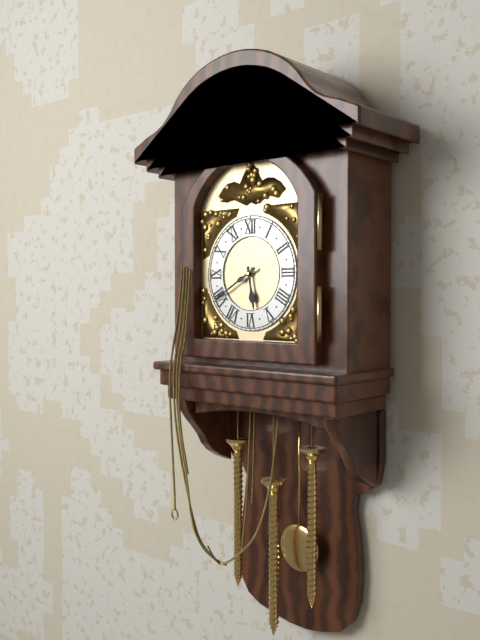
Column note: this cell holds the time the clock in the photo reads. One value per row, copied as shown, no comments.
5:40
